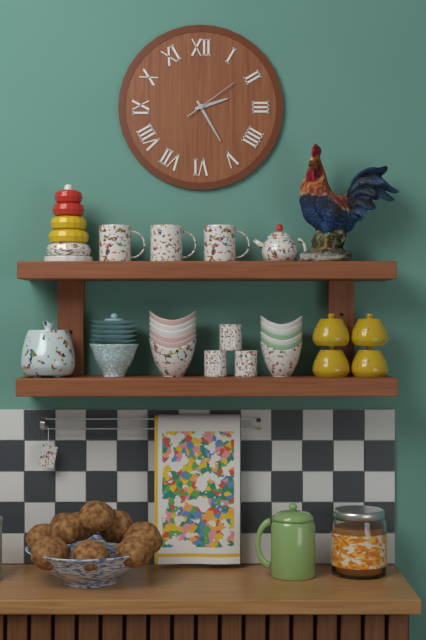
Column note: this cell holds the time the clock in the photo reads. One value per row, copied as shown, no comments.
2:25:09
